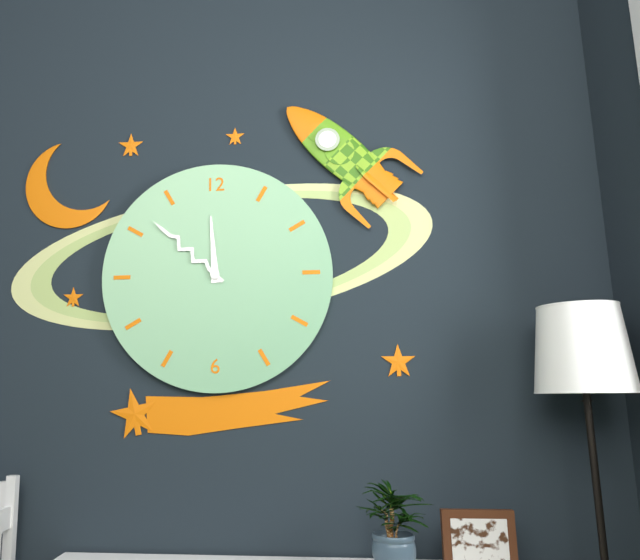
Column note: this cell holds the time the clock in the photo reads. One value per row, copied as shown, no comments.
11:52
